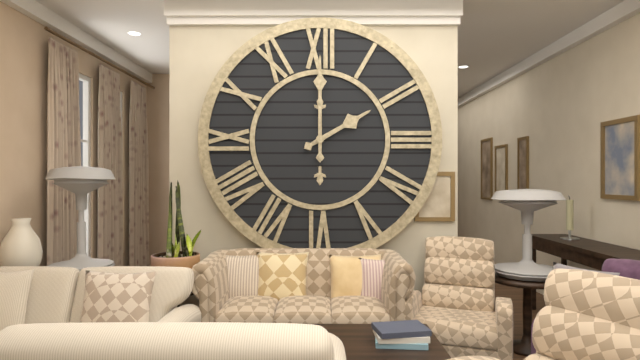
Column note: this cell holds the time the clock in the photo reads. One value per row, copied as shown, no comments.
2:00
